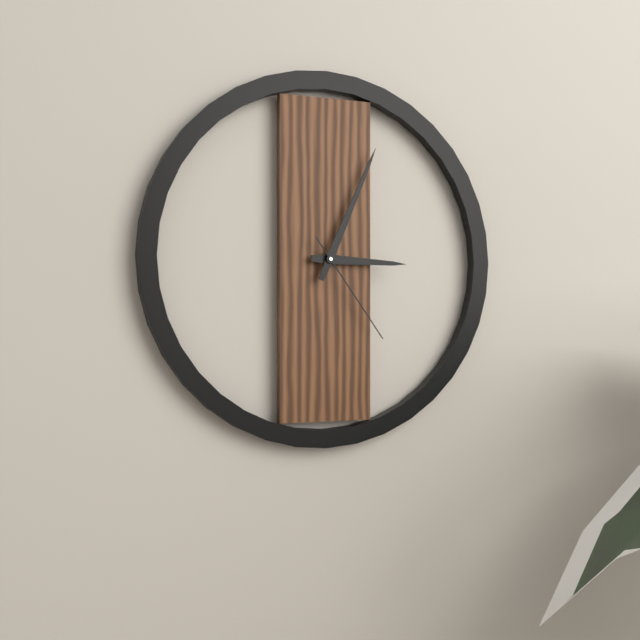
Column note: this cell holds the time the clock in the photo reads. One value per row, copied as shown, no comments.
3:04:24
